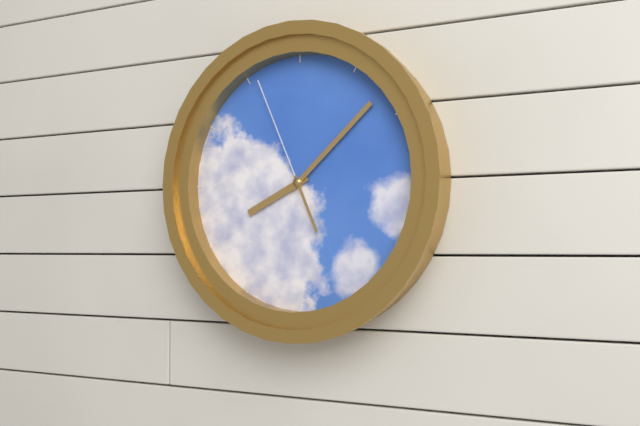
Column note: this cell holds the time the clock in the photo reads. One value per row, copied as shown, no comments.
8:08:56
